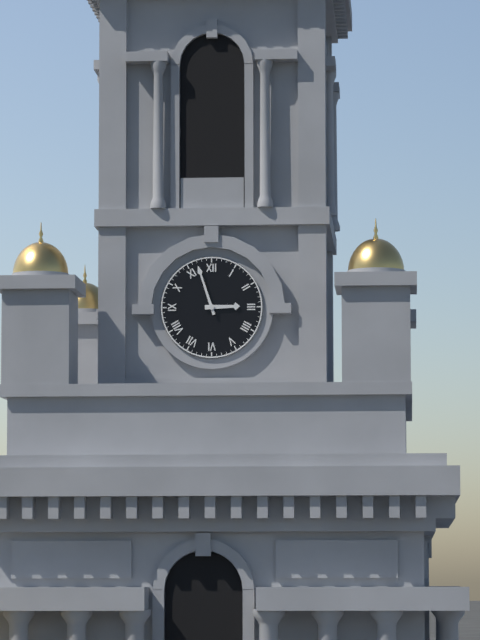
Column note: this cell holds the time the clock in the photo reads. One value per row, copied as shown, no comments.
2:57
